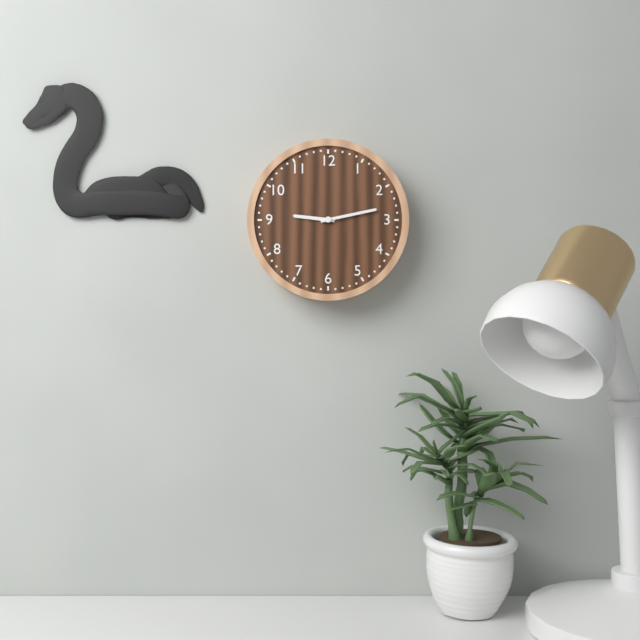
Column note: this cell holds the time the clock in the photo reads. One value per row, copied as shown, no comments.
9:13
